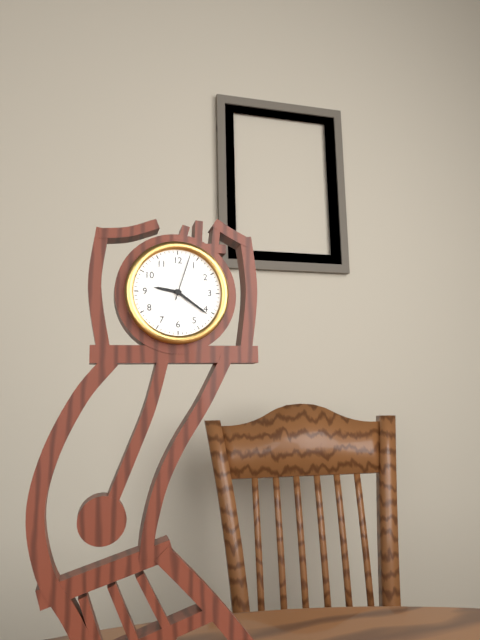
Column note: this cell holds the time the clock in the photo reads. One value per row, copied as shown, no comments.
9:21
